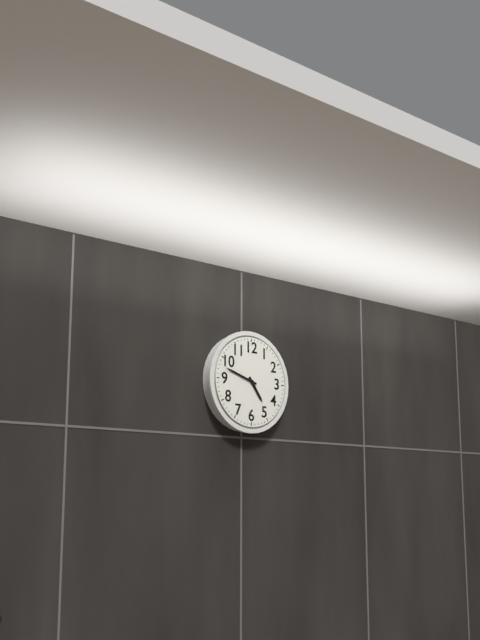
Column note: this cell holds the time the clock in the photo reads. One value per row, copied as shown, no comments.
4:48
